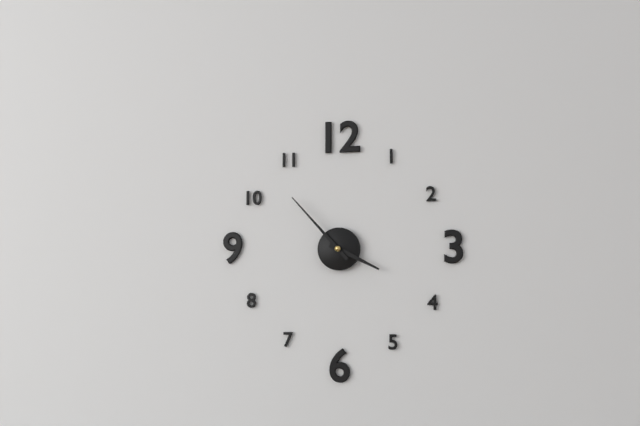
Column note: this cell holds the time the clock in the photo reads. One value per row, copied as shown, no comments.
3:53
